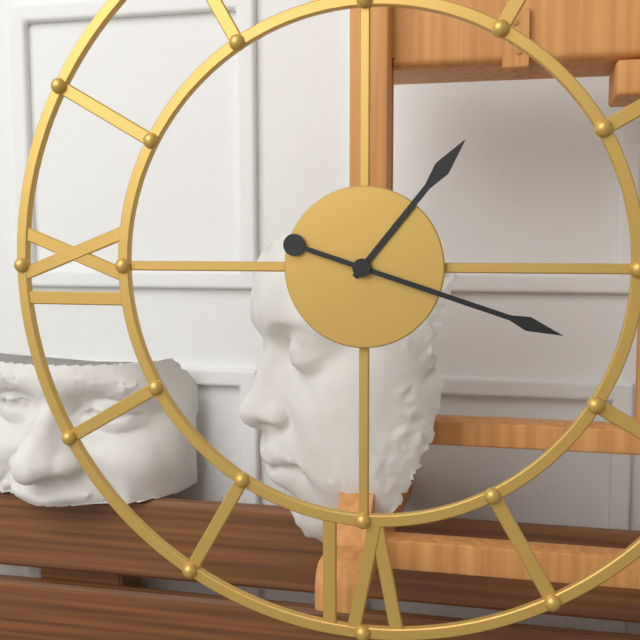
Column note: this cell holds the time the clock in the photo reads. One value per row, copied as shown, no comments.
1:18
